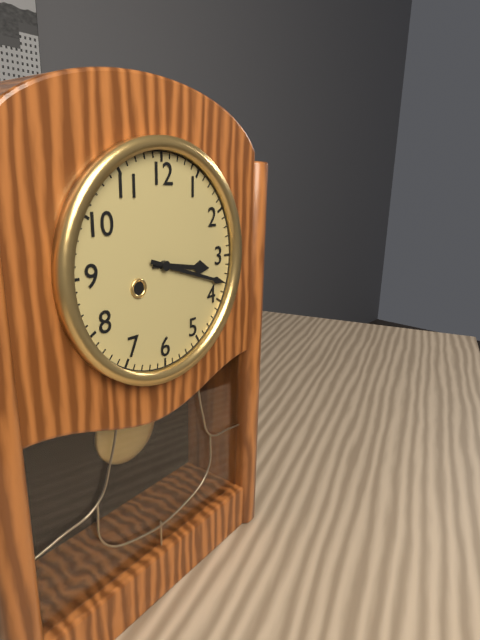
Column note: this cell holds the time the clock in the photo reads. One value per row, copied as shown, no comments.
3:18
